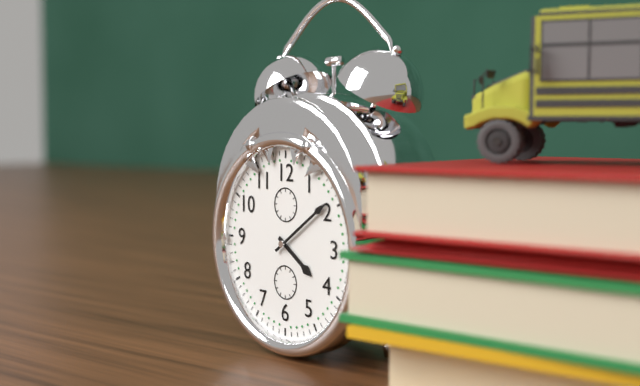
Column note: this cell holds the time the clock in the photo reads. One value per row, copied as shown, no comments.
4:09
